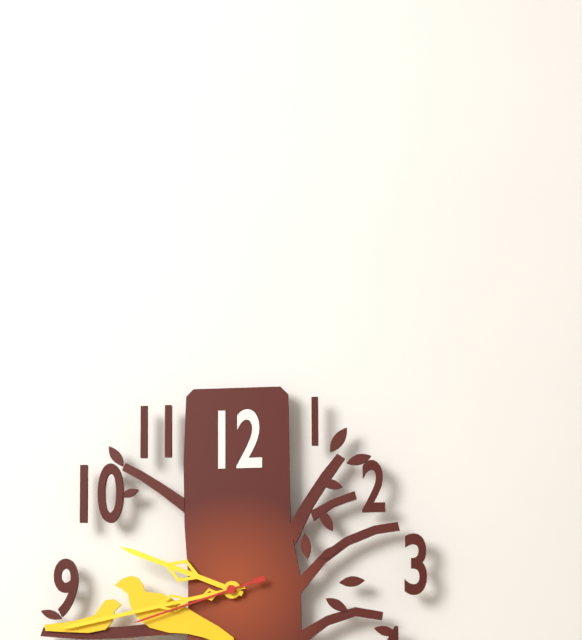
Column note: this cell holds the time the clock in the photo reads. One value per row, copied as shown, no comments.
9:43:42
